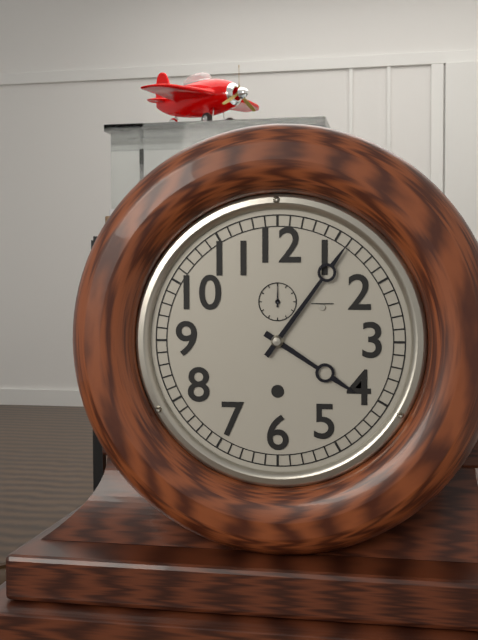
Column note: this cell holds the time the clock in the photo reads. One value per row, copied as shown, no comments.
4:06
